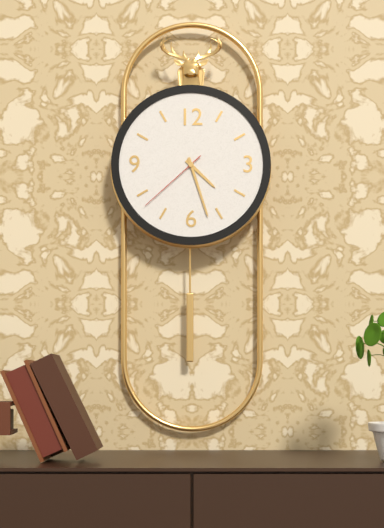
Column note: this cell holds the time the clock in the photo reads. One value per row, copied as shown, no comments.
4:27:38
